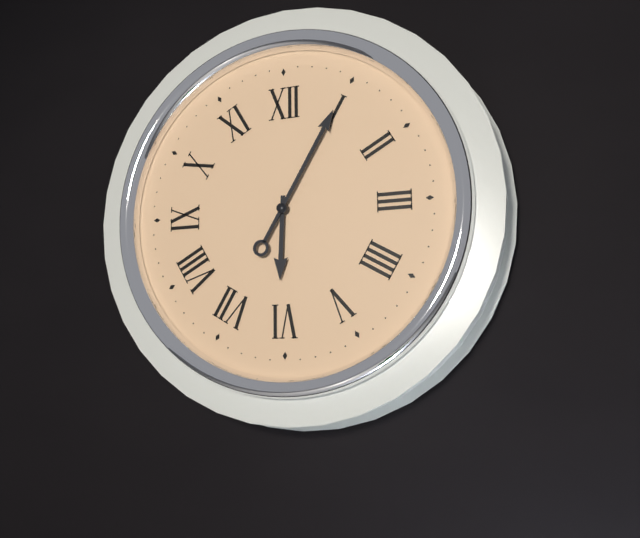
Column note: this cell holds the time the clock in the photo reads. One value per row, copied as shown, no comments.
6:05
